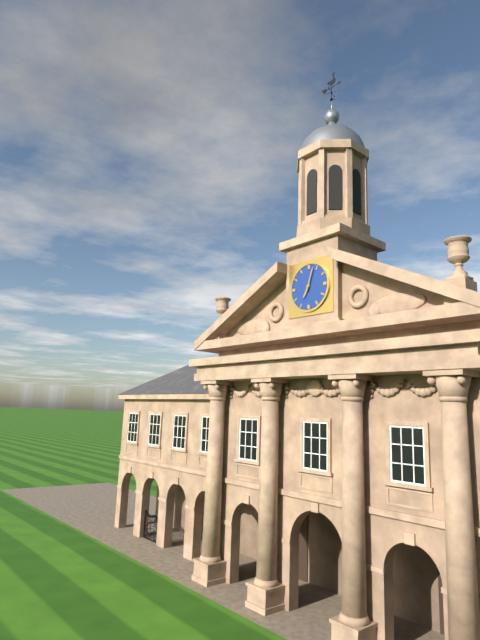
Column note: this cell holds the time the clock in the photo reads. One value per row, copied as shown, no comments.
7:03
